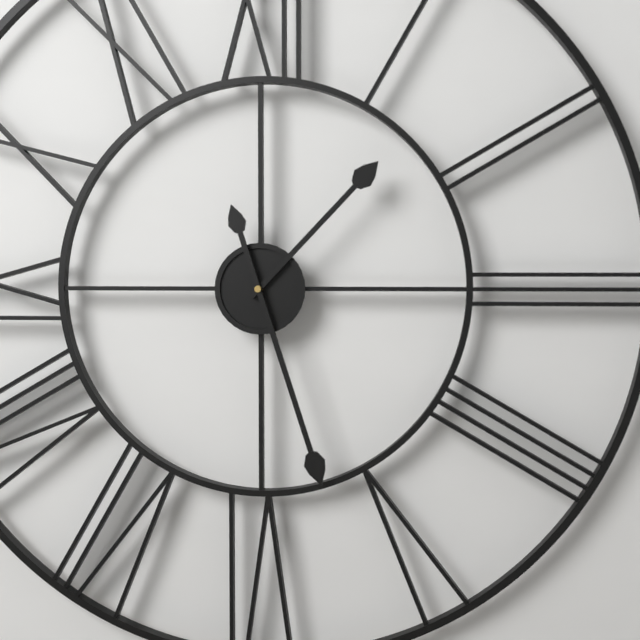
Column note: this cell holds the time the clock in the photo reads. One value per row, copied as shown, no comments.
1:27
